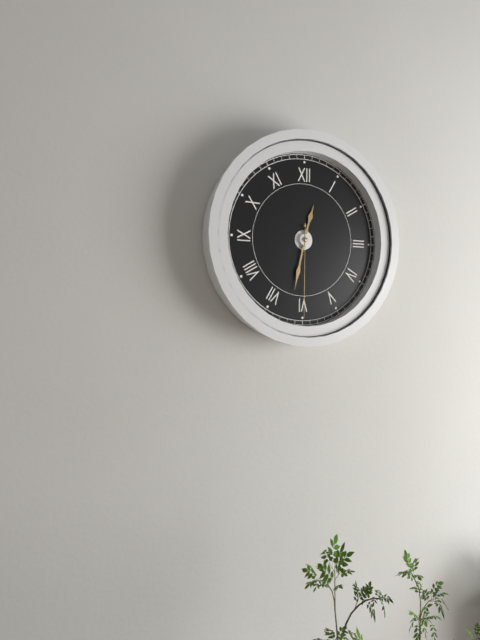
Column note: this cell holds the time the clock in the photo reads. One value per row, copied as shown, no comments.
12:32:30
